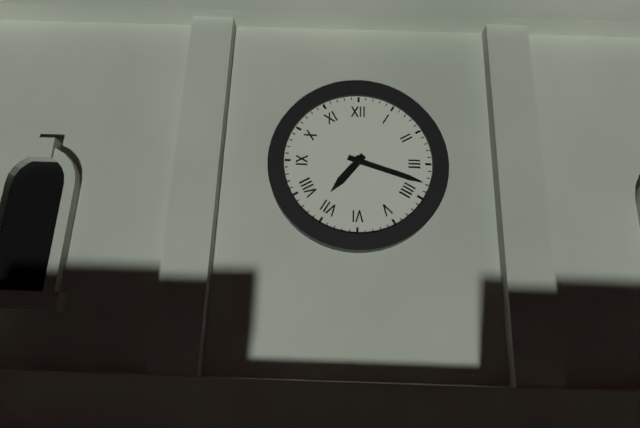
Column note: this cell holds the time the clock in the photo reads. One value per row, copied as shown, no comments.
7:18
